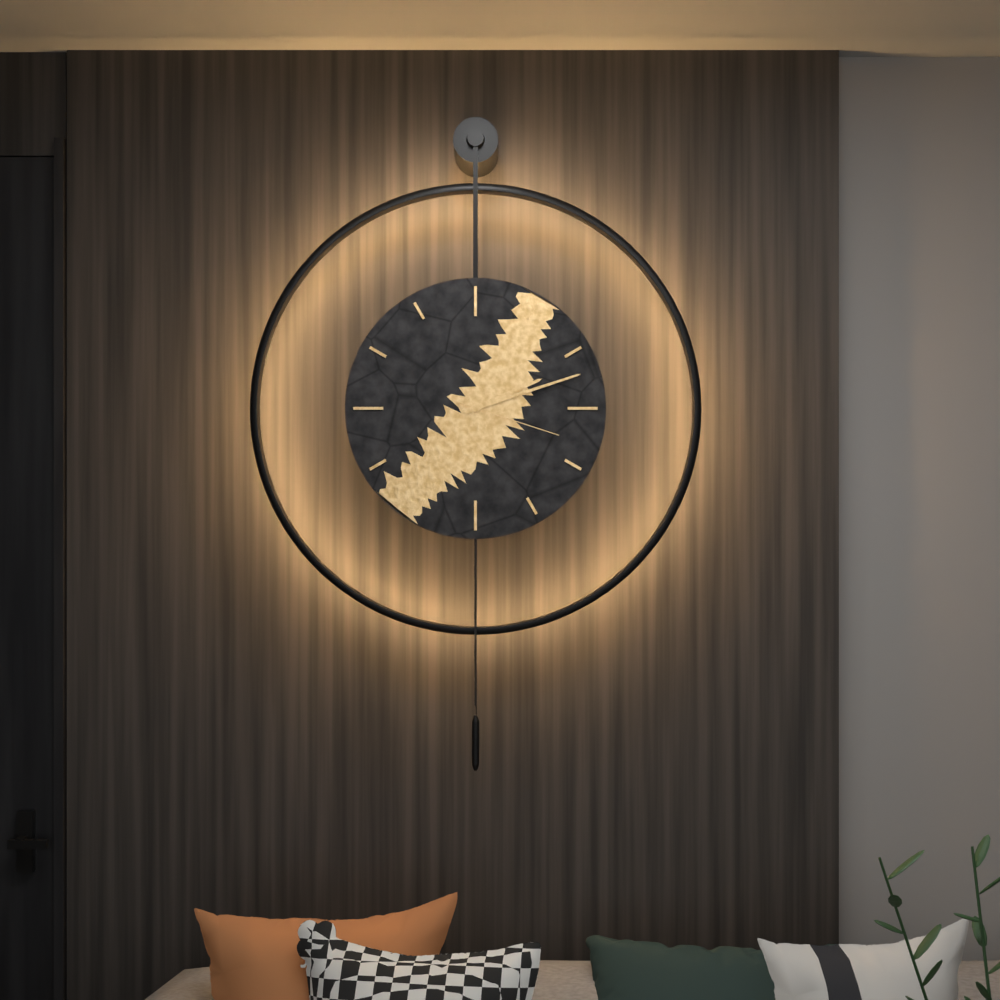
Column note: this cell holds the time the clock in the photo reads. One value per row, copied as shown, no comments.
2:12:18
